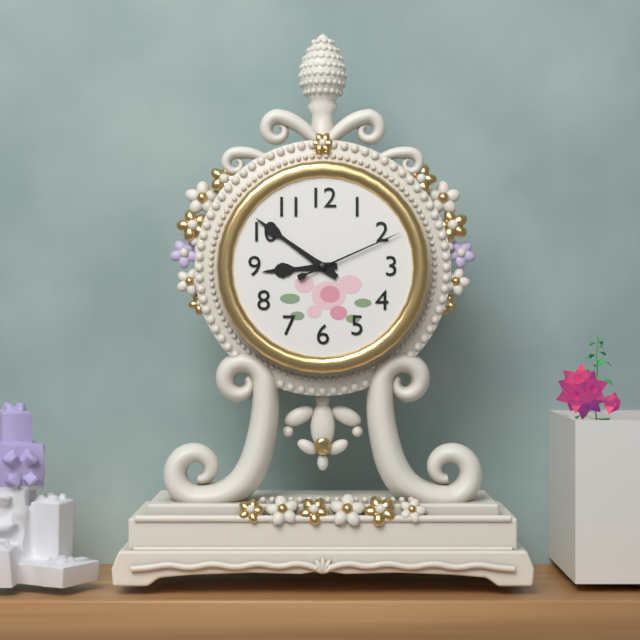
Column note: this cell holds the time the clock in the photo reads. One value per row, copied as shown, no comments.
8:51:11
